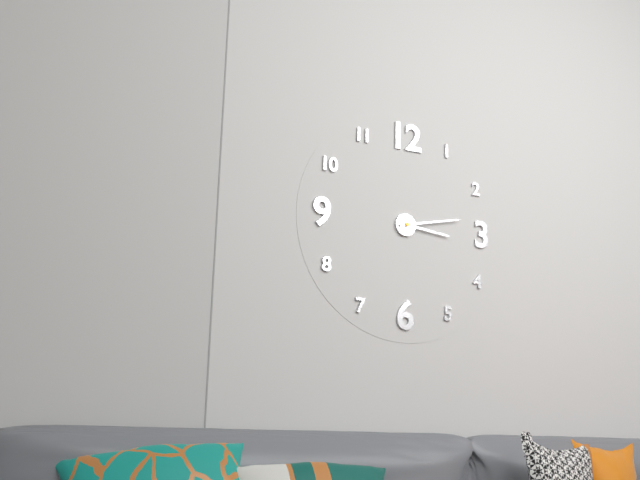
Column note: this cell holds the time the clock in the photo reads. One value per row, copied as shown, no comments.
3:13
